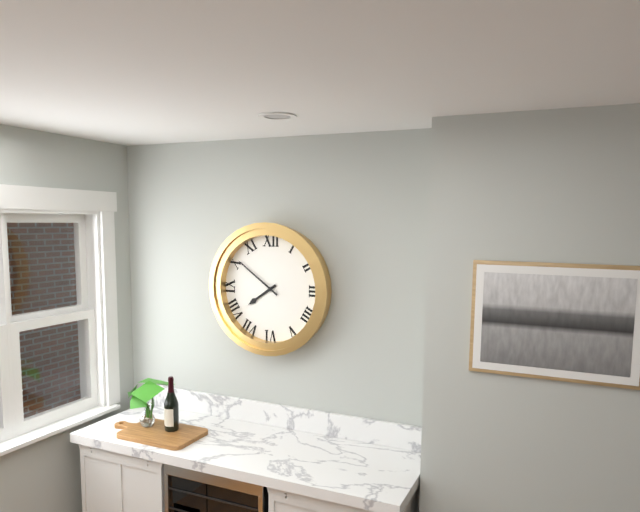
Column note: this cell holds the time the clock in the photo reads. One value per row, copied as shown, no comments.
7:51
